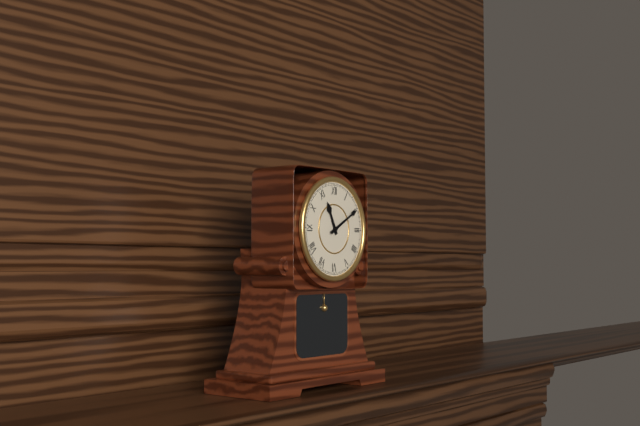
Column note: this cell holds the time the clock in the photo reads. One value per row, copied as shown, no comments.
11:10
